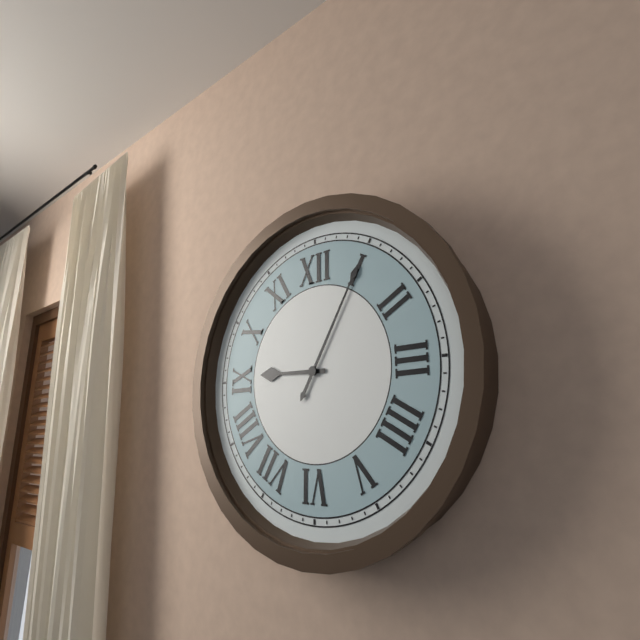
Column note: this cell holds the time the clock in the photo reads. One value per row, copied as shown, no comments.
9:05
